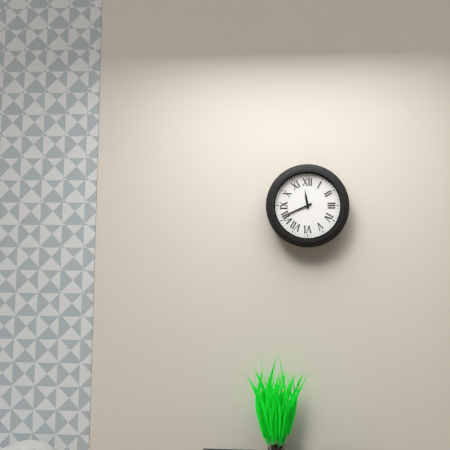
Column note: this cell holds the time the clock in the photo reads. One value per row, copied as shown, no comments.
11:41
